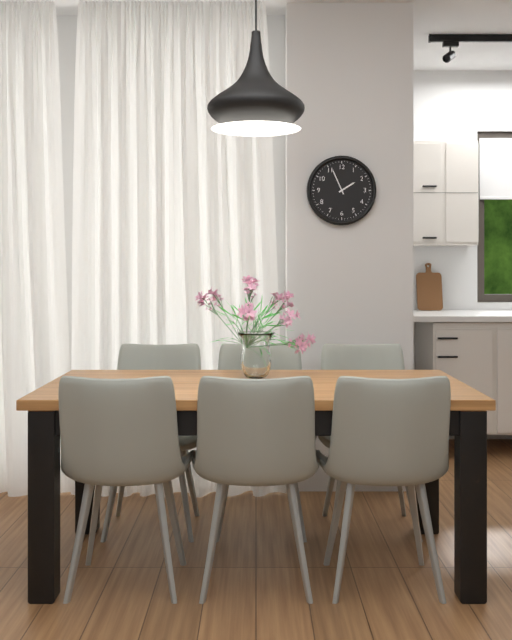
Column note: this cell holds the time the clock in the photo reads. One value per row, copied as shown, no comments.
1:56
